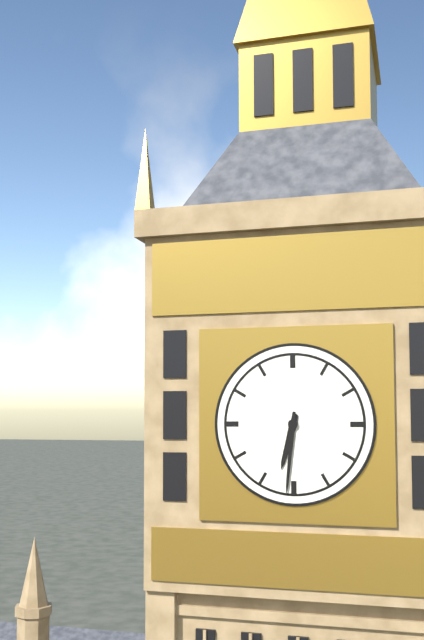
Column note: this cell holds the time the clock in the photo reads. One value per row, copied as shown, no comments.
6:31
